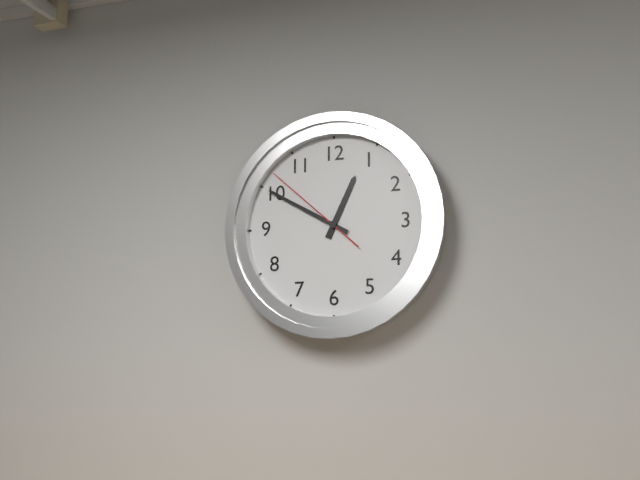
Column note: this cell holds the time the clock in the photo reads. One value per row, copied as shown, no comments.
12:50:52
